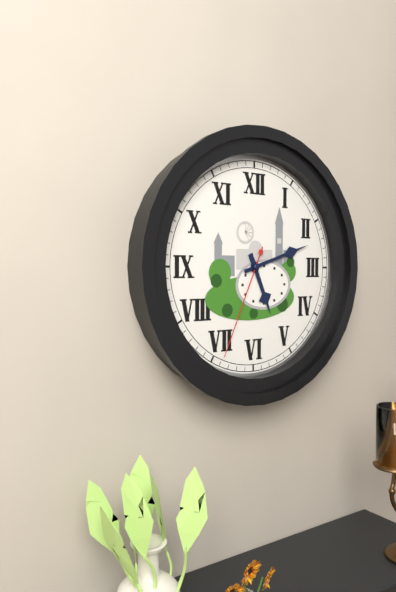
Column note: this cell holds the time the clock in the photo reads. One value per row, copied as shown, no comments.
5:12:34
